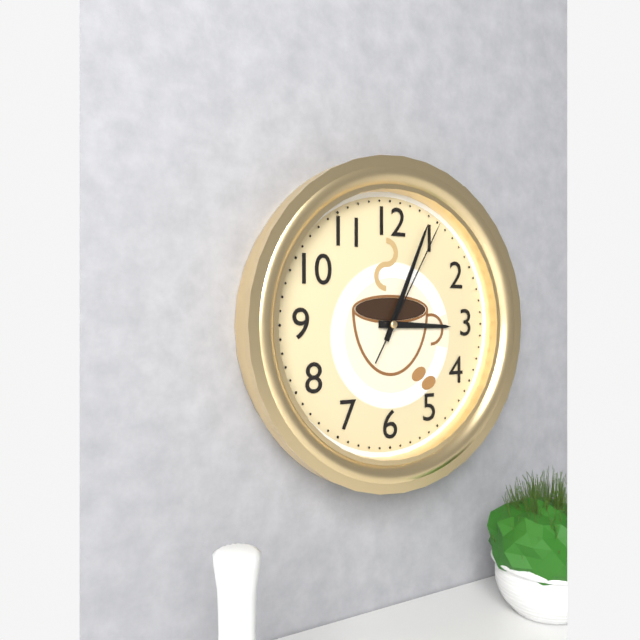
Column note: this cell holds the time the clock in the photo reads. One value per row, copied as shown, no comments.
3:04:05
